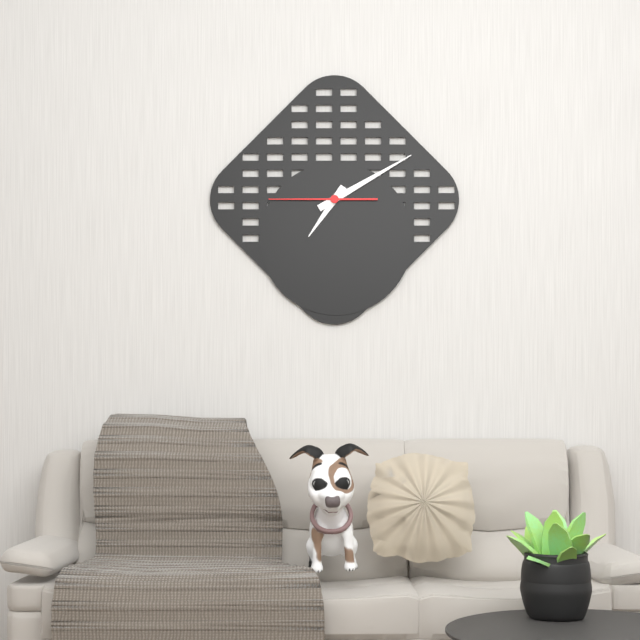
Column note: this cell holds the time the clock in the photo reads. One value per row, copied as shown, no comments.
7:10:45
